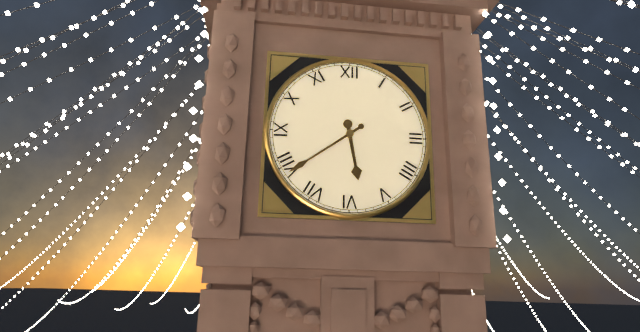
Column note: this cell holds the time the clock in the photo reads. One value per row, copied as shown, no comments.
5:39
